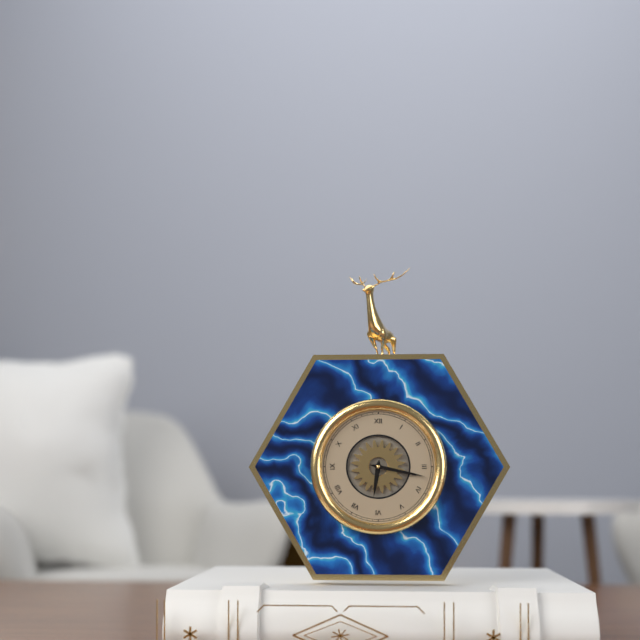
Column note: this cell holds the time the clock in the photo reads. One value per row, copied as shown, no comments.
6:17
